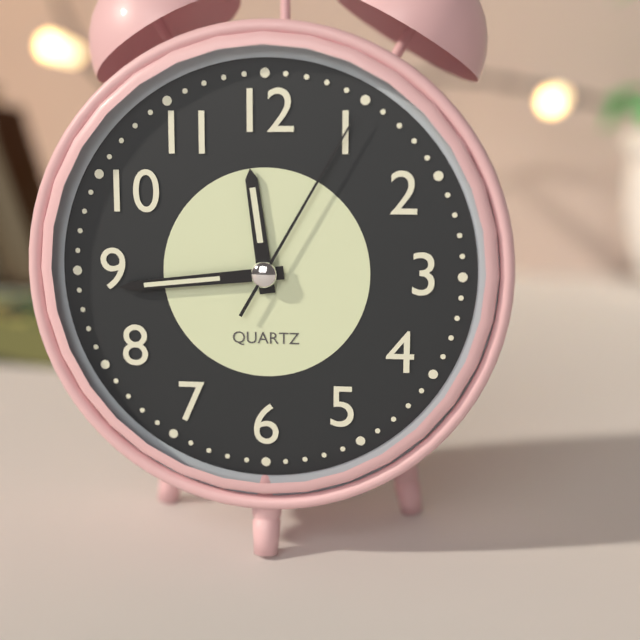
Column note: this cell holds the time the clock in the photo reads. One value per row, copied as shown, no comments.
11:44:05
